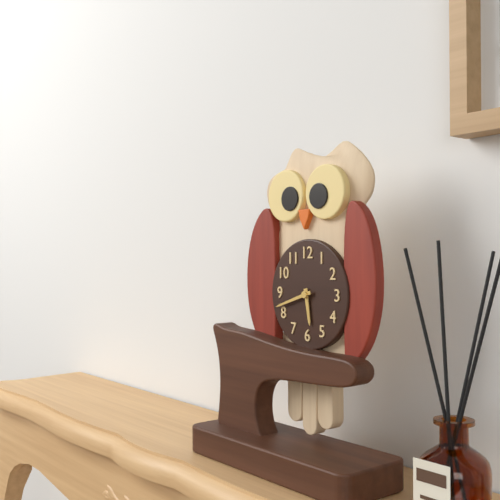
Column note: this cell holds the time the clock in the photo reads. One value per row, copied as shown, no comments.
5:42
